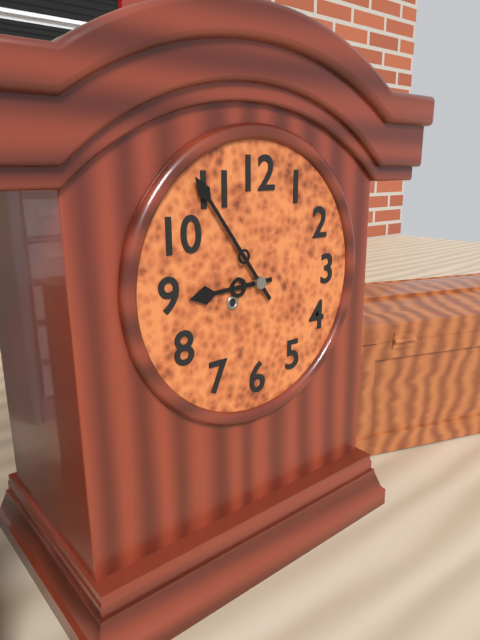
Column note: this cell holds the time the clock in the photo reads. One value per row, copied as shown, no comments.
8:54
